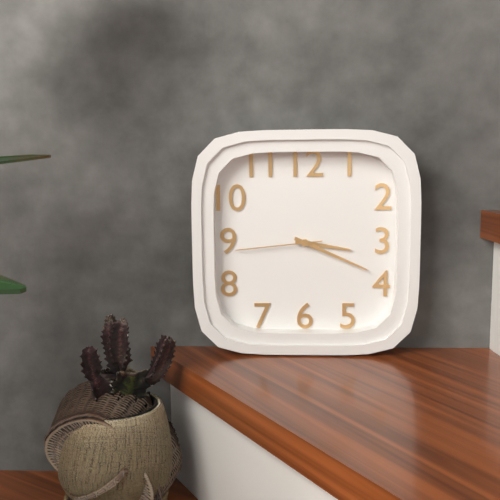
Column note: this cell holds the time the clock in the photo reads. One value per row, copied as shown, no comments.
3:19:44
